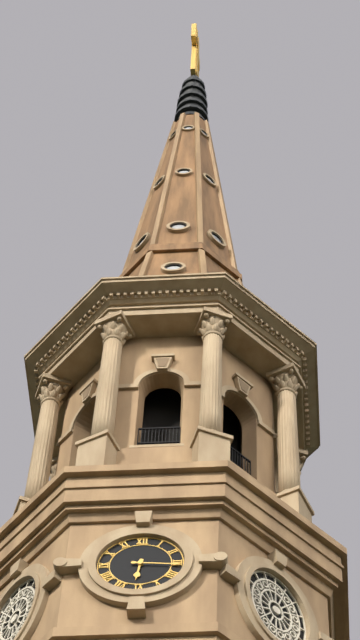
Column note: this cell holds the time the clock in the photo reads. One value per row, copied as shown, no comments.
6:16
